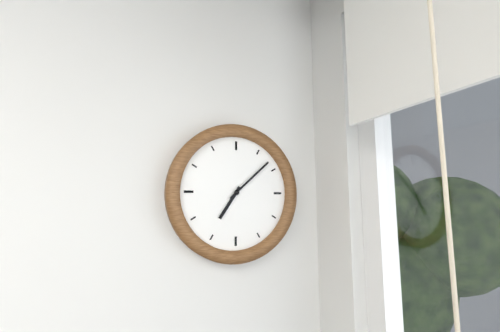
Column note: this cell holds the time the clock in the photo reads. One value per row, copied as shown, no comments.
7:08
